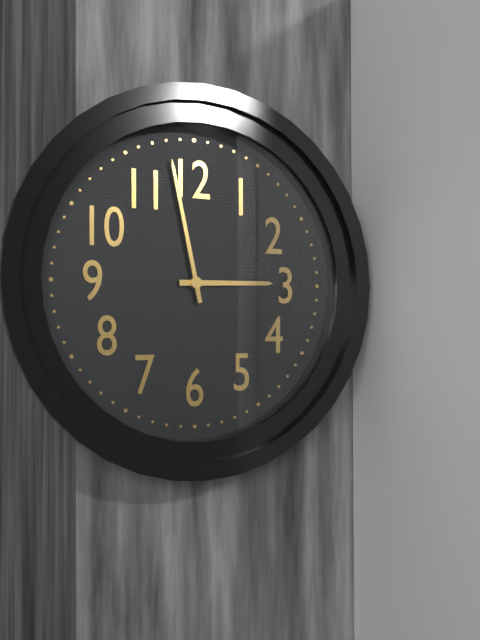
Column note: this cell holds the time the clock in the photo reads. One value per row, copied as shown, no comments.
2:58
